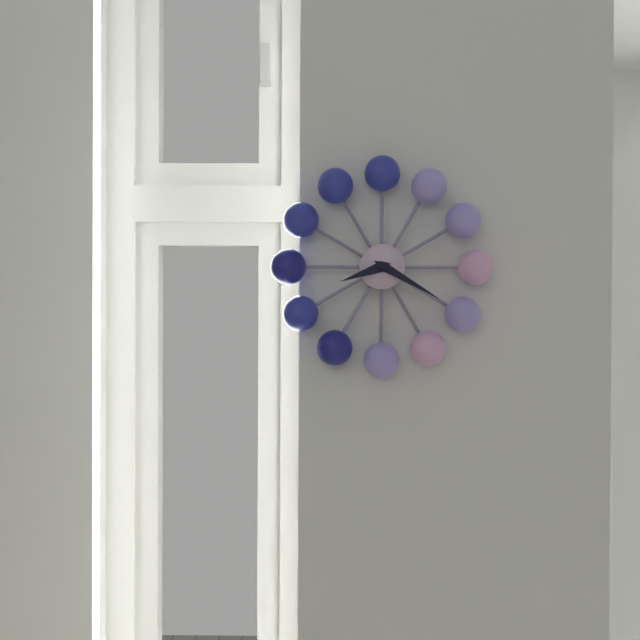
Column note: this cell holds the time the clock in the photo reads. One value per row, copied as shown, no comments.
8:20
